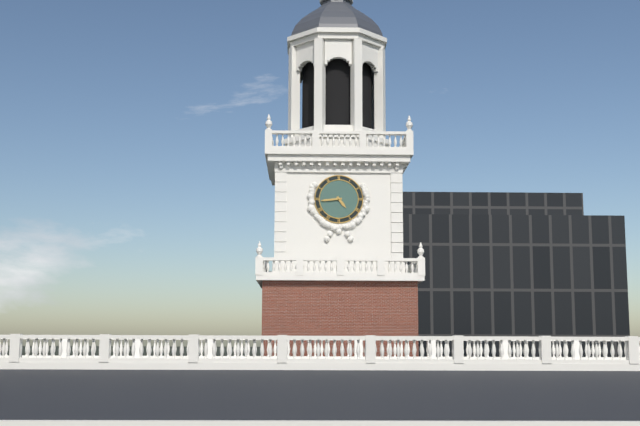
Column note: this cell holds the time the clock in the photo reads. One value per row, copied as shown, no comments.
4:44
